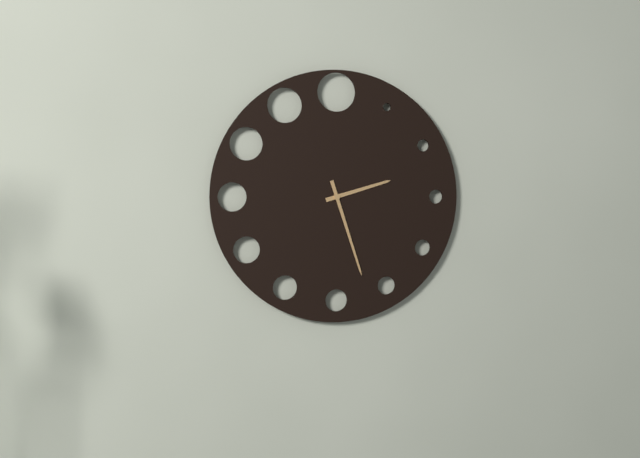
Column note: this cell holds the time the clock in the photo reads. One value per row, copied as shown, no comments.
2:27
